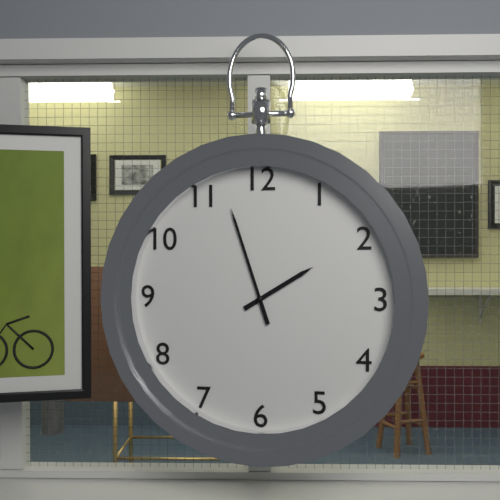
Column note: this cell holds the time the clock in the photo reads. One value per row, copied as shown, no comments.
1:57
